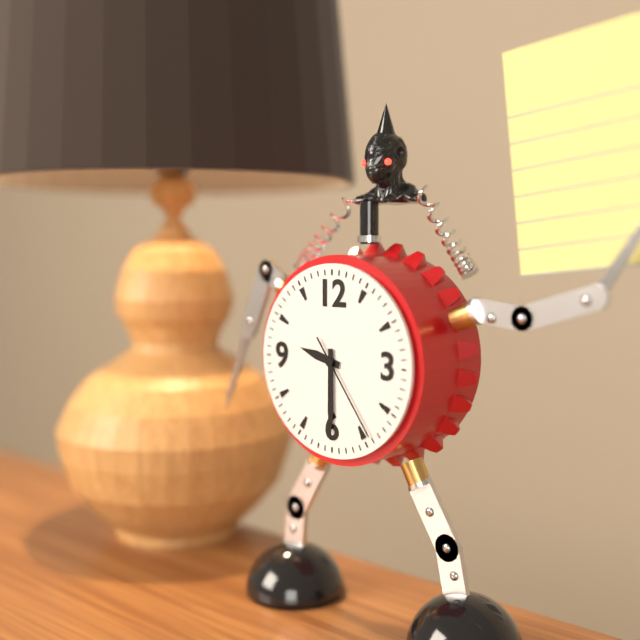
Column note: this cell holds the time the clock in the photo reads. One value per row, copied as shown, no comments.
9:30:24
